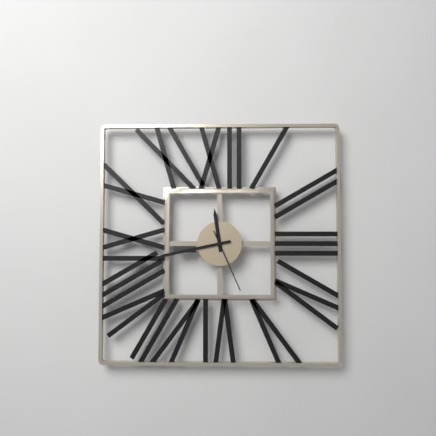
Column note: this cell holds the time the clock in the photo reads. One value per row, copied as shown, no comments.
11:43:26
